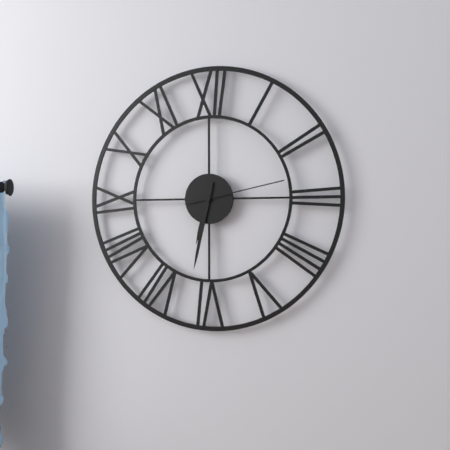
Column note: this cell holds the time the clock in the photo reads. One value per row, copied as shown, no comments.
6:32:13
